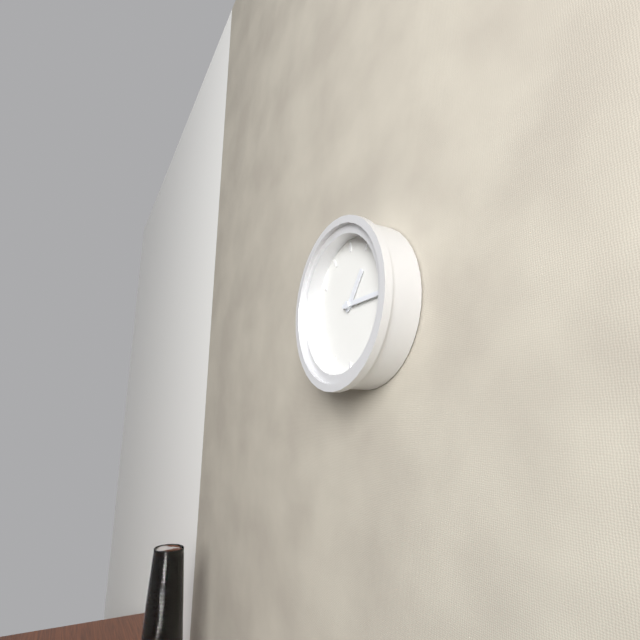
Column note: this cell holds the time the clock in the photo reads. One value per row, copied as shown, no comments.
1:15
